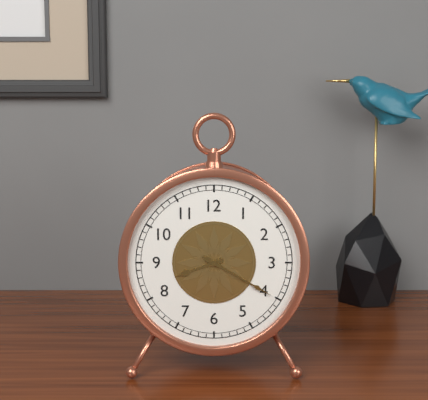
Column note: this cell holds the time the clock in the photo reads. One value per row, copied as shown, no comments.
8:20
